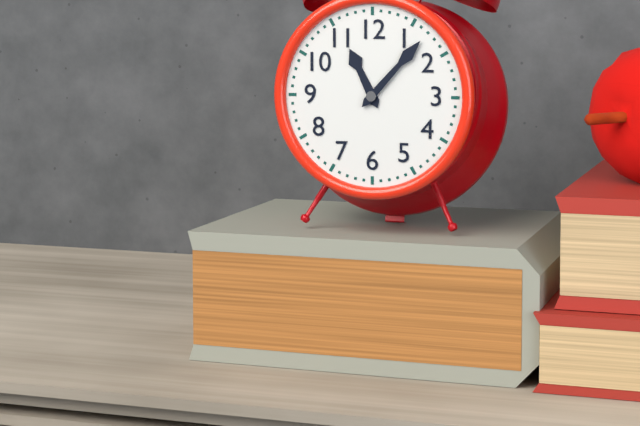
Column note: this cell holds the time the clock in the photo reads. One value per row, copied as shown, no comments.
11:07
